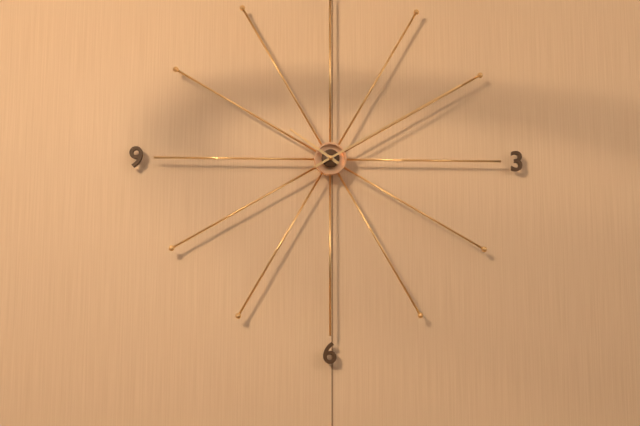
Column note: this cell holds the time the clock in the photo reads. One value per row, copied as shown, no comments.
10:10
